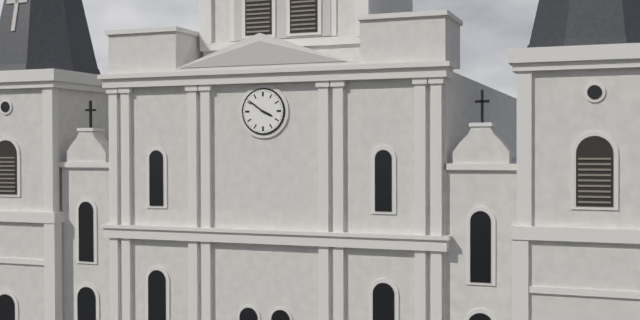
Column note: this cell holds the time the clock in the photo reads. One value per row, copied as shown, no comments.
3:51
